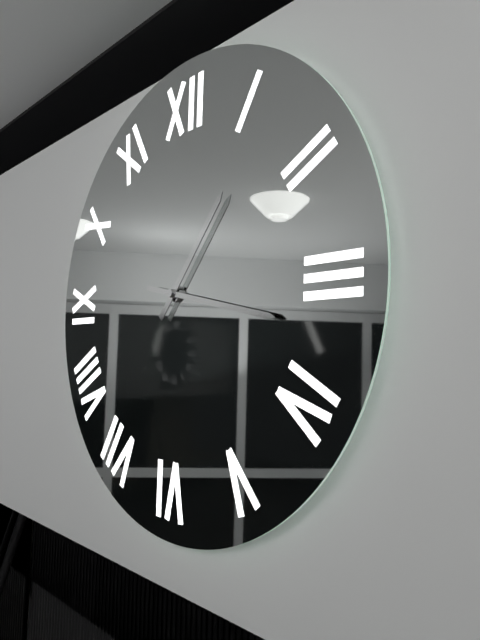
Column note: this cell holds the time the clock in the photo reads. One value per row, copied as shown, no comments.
1:17
